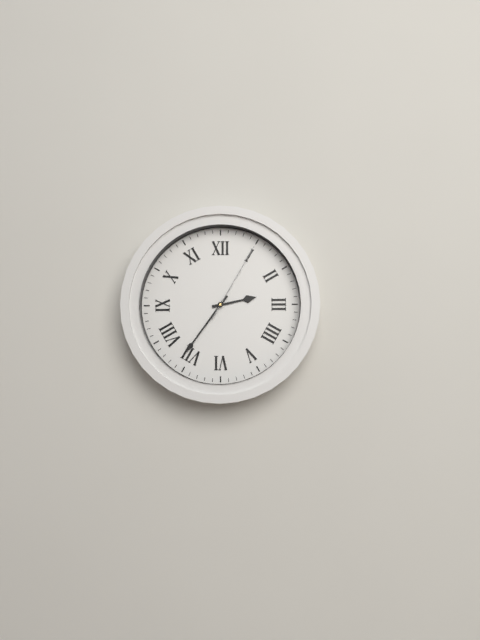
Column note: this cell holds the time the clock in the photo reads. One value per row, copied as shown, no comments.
2:36:05
